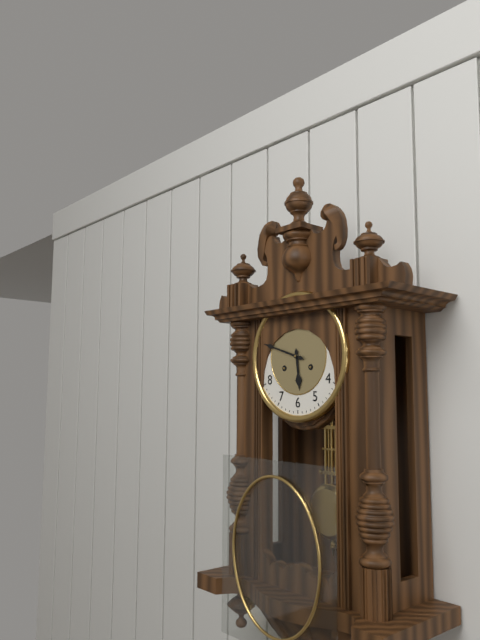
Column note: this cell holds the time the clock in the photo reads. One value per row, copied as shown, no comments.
5:48
